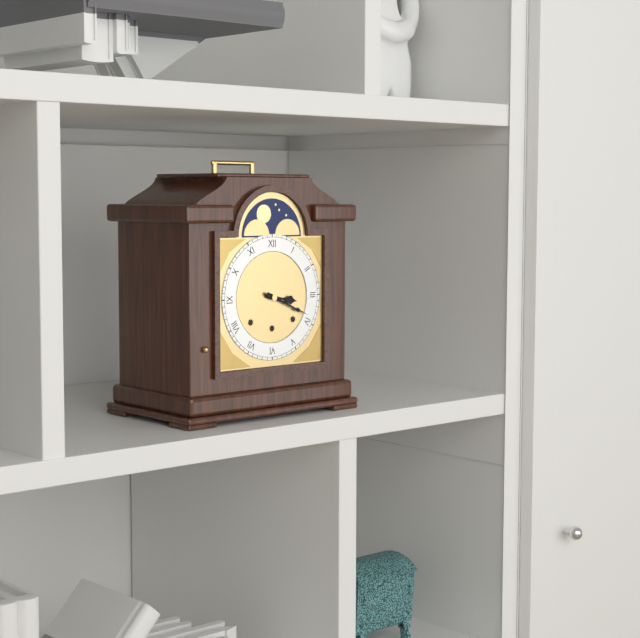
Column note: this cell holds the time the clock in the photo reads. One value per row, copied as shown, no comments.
3:19
